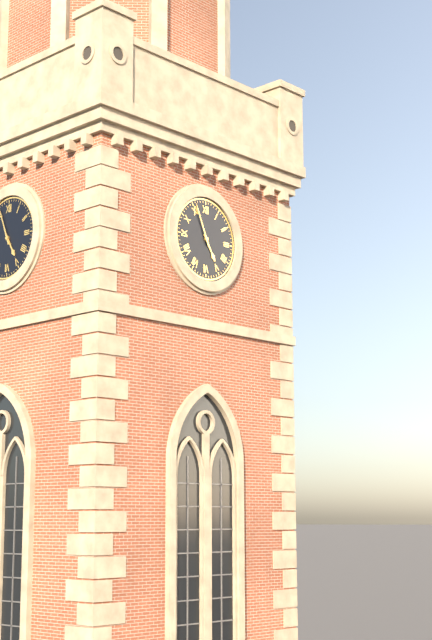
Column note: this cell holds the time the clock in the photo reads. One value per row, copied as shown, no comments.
4:56
